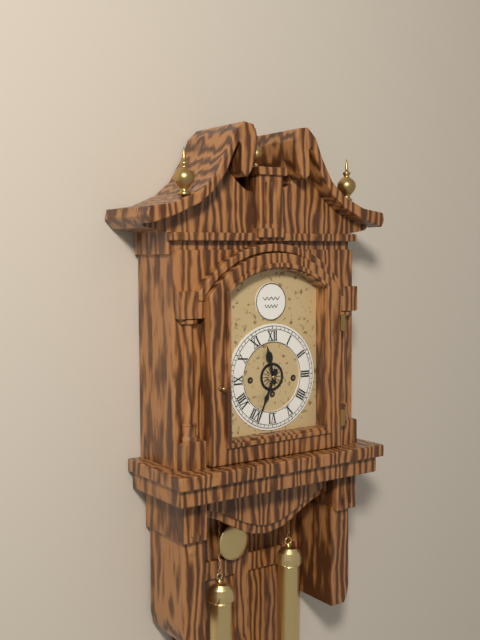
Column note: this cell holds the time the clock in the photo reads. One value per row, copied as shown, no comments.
11:34
